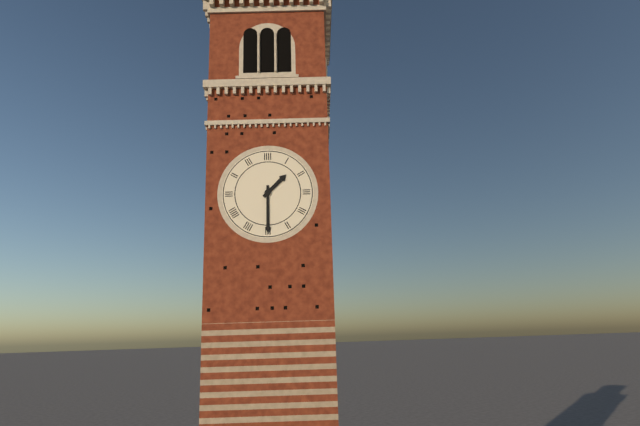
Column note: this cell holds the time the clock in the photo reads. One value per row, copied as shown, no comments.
1:30
